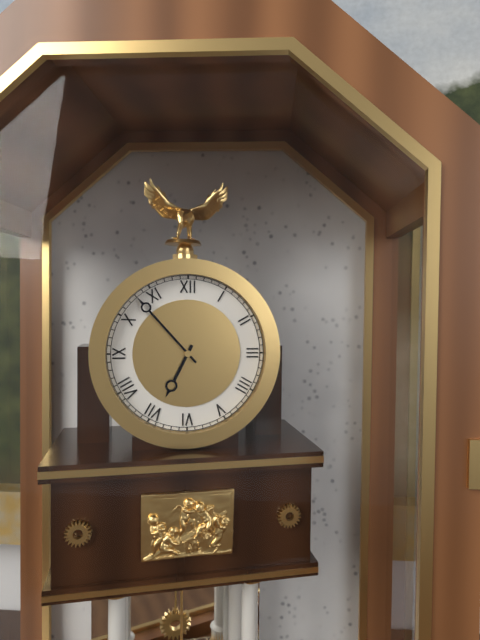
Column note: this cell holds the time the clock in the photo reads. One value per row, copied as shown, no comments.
6:53
